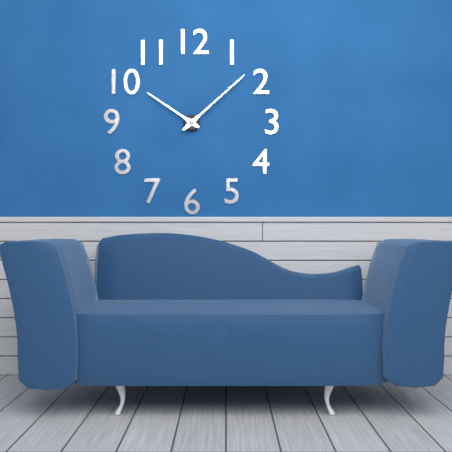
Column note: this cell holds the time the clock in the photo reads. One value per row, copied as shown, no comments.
10:08
